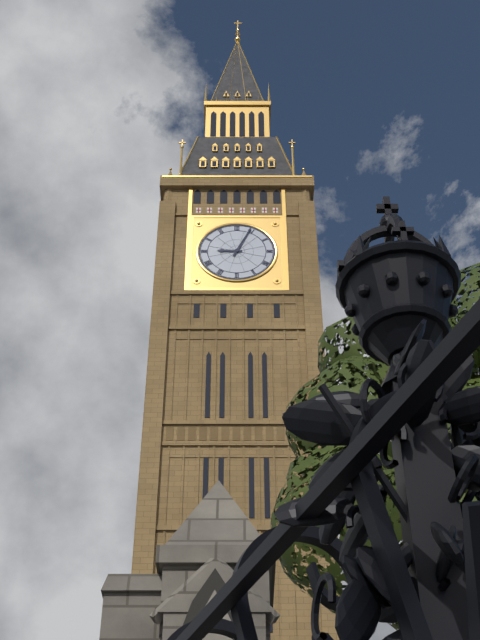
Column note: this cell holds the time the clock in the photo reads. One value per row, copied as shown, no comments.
9:04
